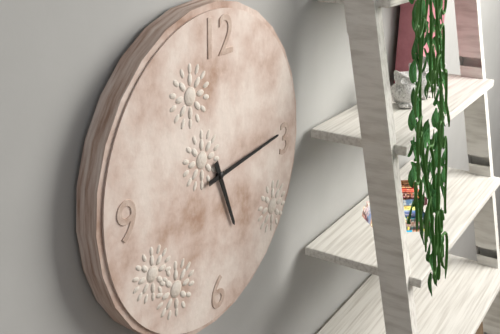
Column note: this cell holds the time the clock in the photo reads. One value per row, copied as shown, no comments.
5:14
